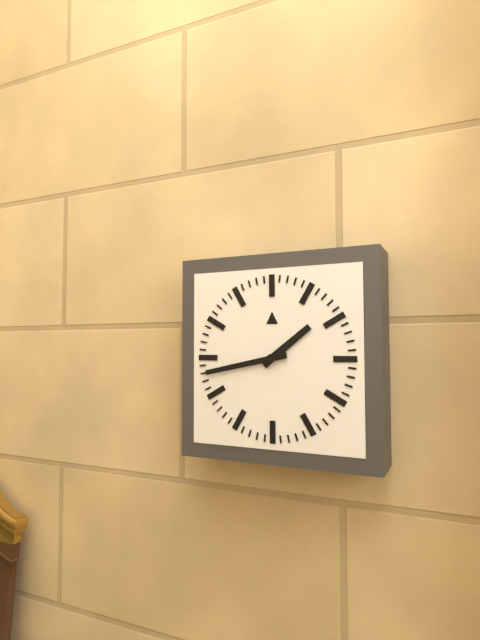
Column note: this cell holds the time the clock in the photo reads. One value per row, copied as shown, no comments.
1:43
